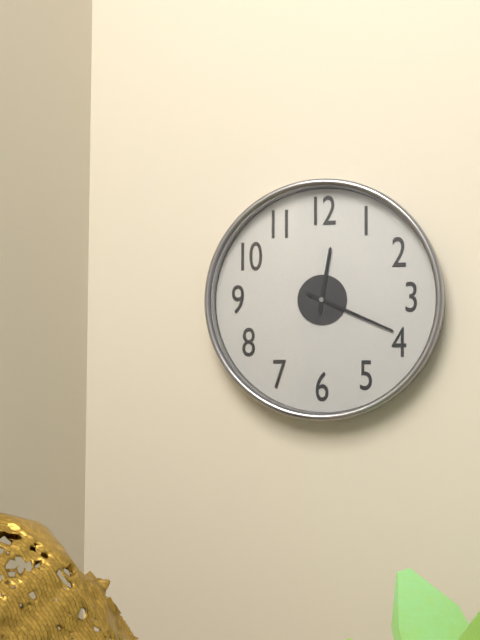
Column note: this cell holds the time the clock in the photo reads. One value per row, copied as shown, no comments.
12:19
